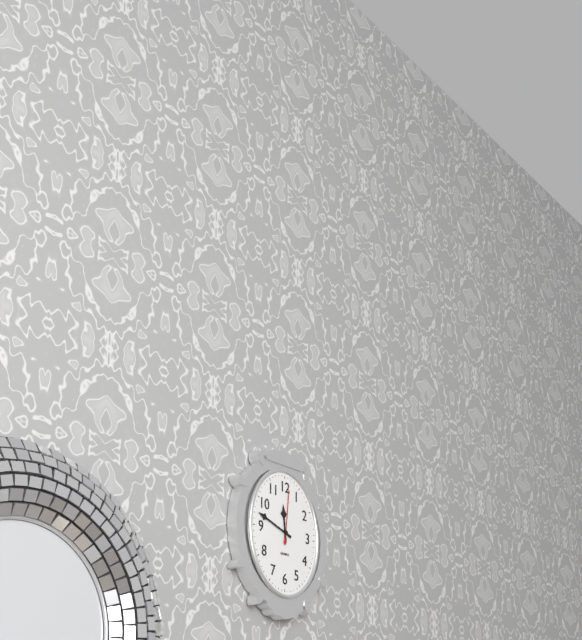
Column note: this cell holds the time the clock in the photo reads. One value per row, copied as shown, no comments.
11:48:01
